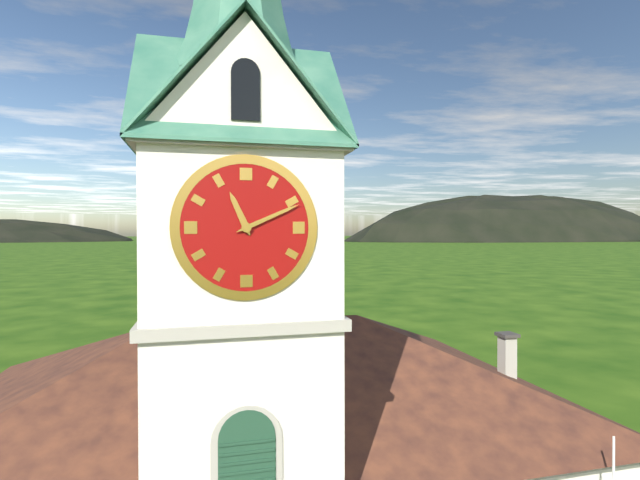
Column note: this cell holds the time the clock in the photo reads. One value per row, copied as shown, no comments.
11:11
